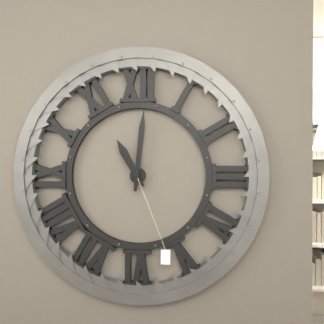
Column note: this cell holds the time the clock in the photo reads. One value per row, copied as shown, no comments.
11:01
